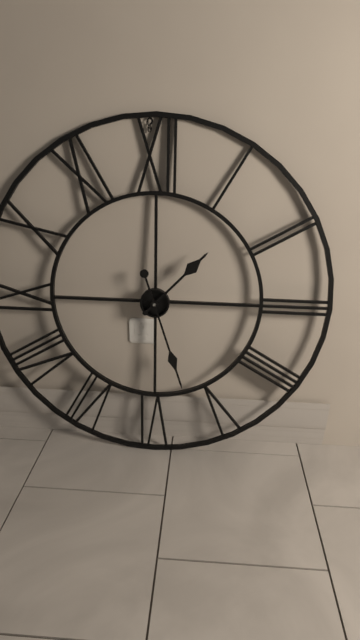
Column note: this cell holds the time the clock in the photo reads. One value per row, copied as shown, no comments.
1:27
